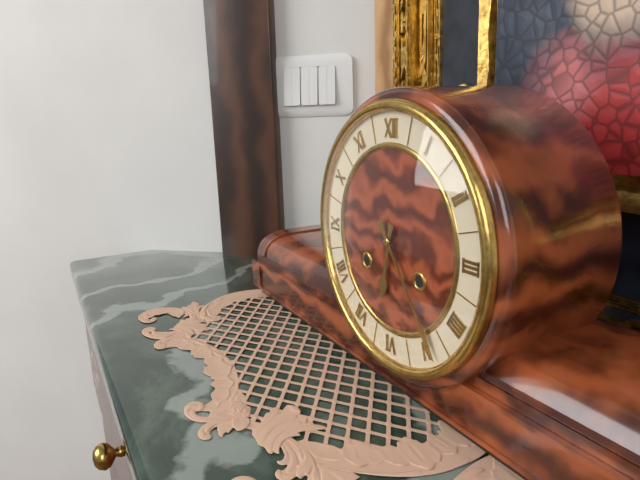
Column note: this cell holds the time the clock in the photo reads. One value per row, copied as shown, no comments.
6:24
